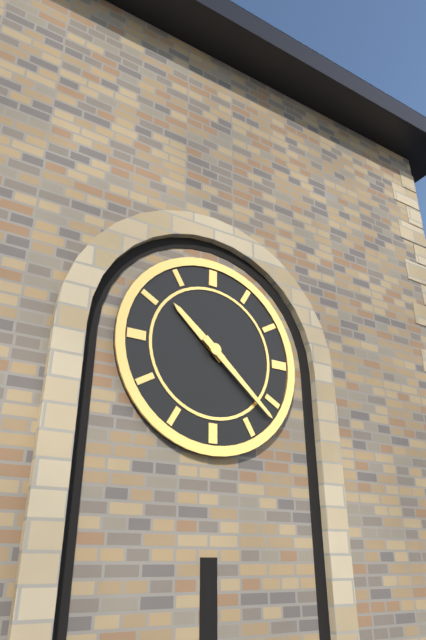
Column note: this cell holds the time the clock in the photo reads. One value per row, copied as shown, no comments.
10:22
